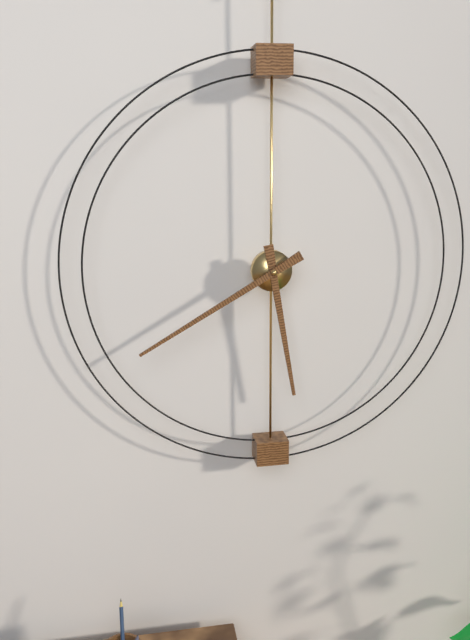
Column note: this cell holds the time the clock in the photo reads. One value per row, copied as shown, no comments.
5:40
